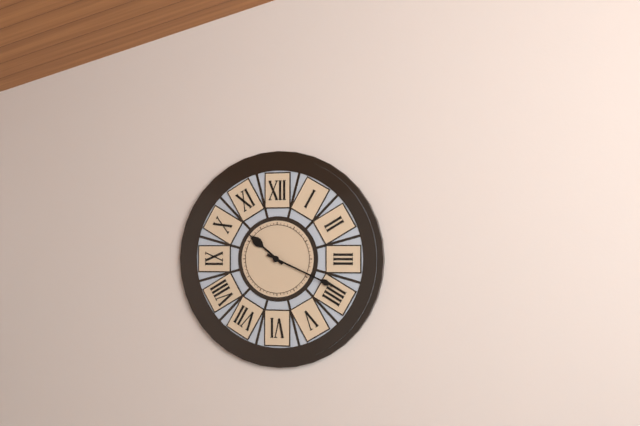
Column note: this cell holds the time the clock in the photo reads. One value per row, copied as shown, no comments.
10:19
